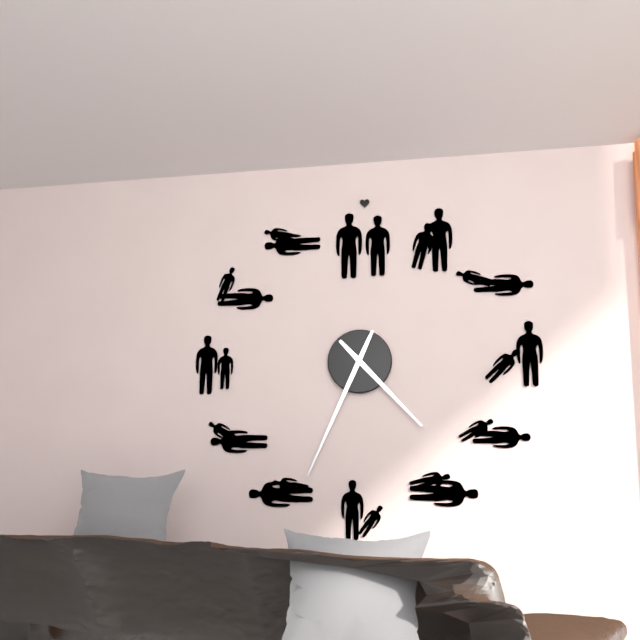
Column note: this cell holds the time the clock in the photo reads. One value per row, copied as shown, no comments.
4:34
